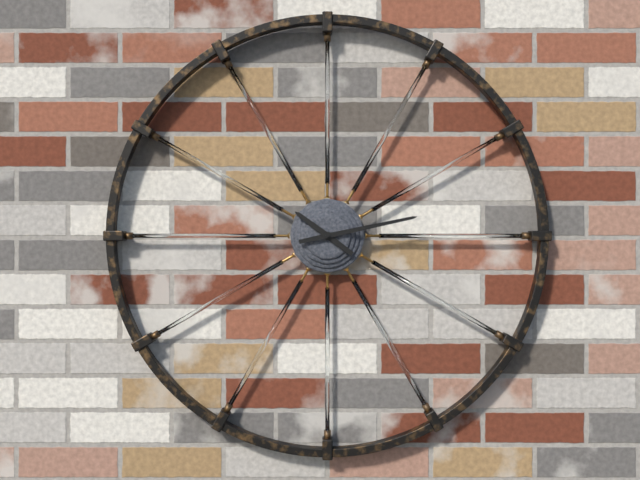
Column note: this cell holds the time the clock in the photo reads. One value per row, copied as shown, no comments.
10:13
